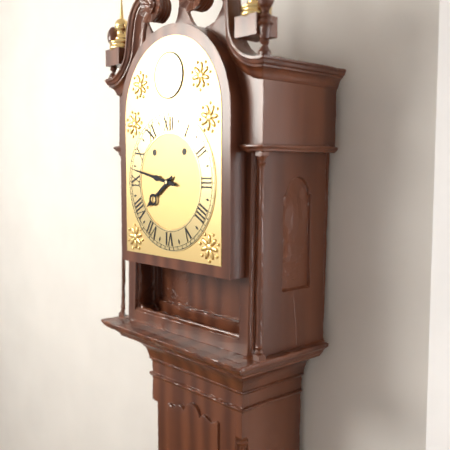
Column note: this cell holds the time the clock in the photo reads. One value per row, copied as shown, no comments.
7:47
